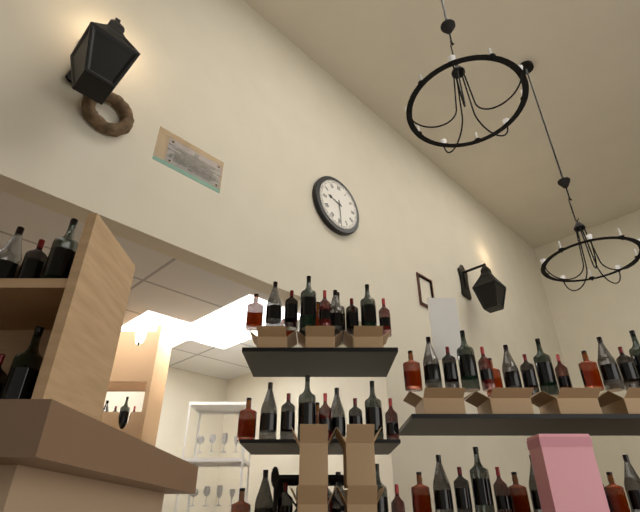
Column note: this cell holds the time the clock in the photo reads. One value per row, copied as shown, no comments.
9:29
